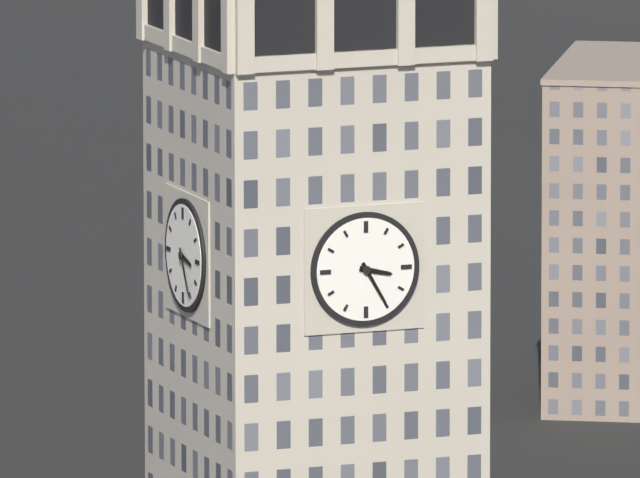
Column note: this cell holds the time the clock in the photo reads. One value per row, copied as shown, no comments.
3:25
